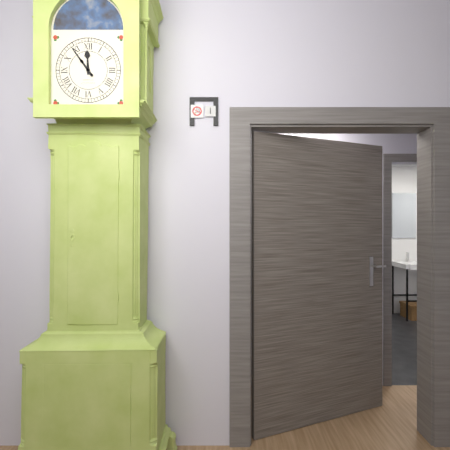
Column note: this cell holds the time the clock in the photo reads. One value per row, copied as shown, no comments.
11:54
